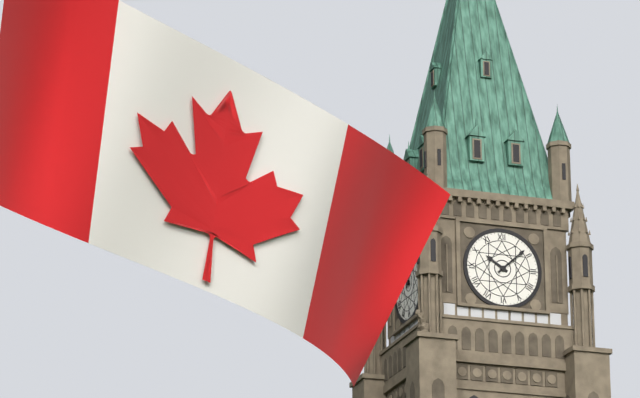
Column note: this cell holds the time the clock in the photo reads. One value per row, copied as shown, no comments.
10:08
